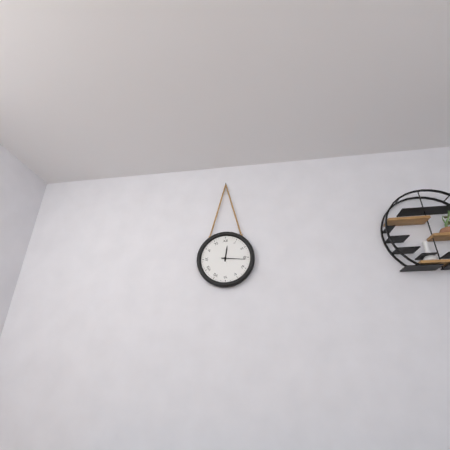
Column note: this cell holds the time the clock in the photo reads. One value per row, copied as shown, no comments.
12:16
